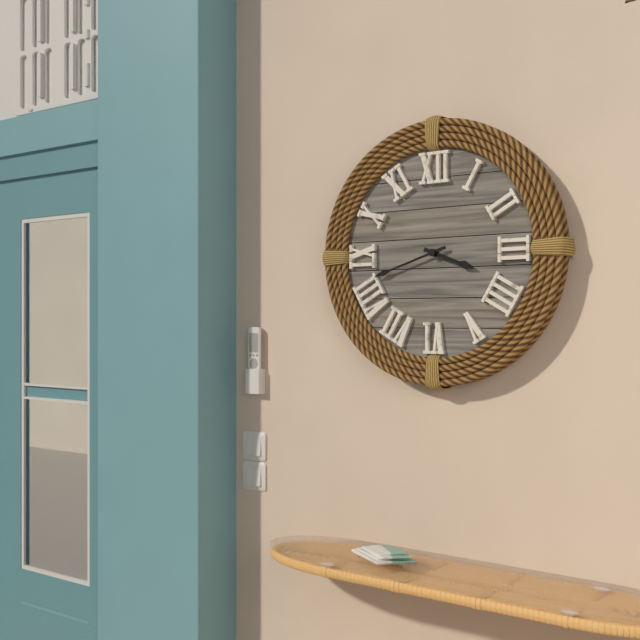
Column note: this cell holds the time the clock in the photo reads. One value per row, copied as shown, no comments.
3:42
